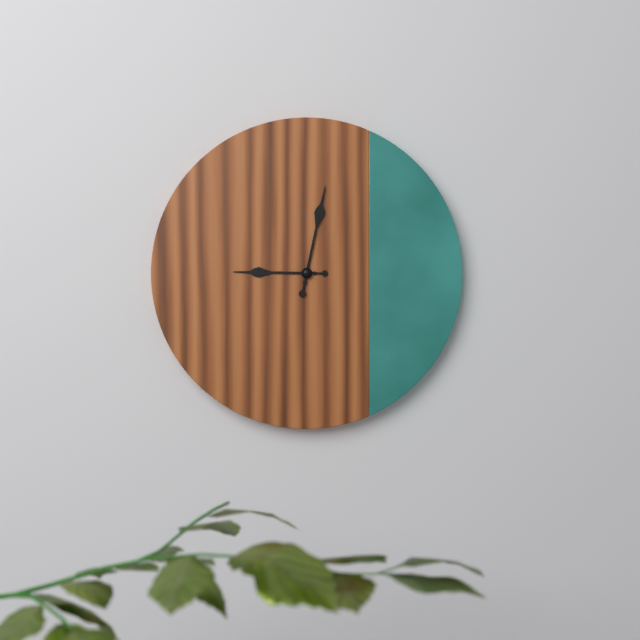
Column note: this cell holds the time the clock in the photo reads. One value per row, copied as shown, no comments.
9:02
